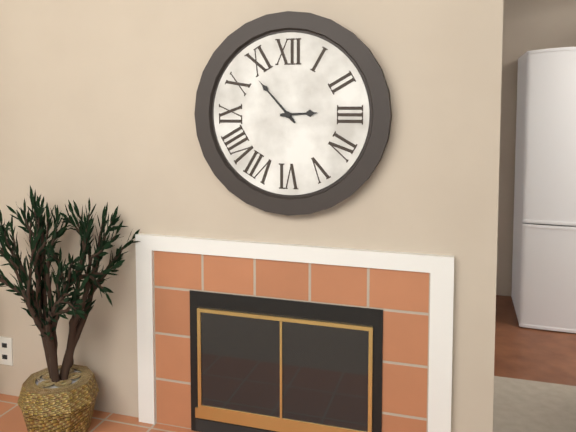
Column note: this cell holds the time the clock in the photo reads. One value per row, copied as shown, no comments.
2:53
